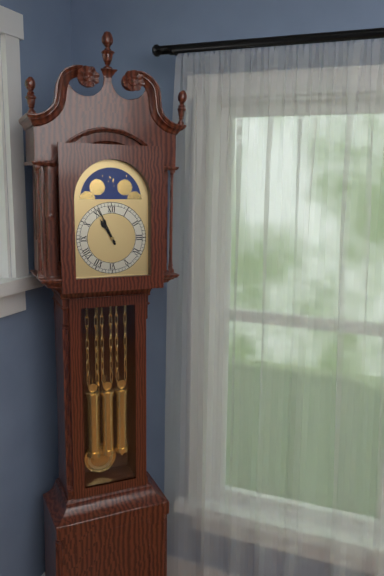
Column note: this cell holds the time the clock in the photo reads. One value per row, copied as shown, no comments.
10:56
